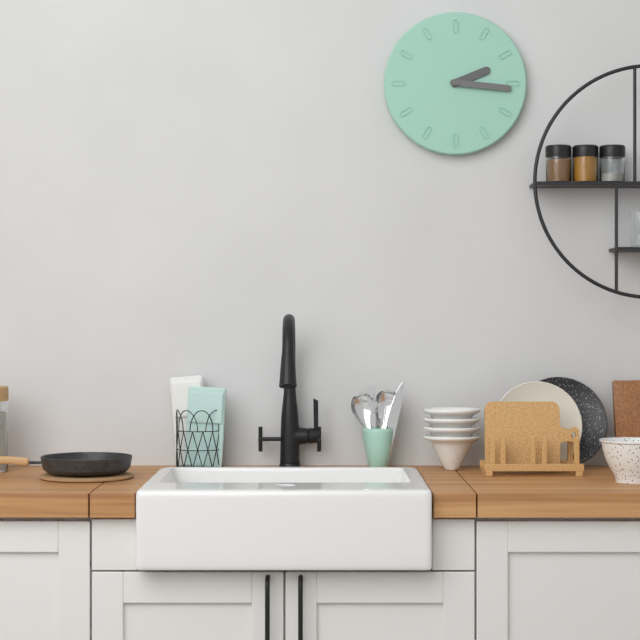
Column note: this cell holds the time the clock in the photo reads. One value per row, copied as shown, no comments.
2:16
